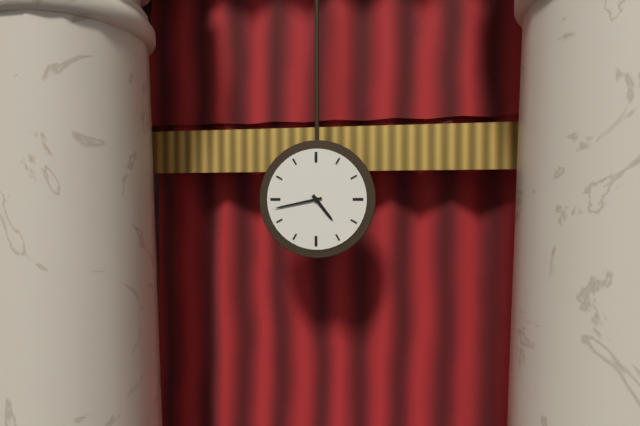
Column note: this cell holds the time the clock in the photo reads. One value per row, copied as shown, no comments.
4:43
